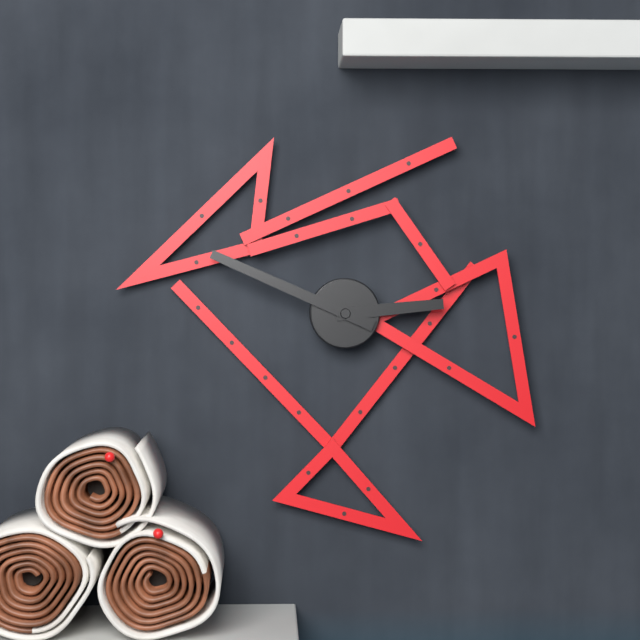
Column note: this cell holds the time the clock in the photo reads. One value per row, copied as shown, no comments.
2:49
